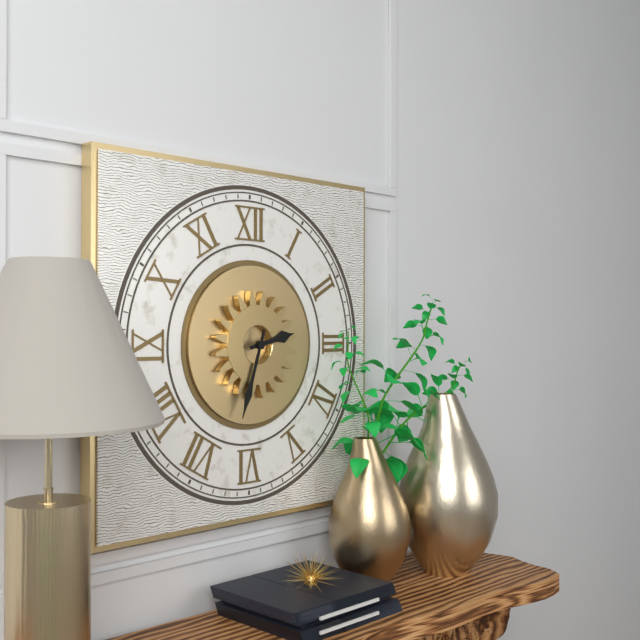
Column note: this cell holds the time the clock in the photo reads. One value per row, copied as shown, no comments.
2:33
